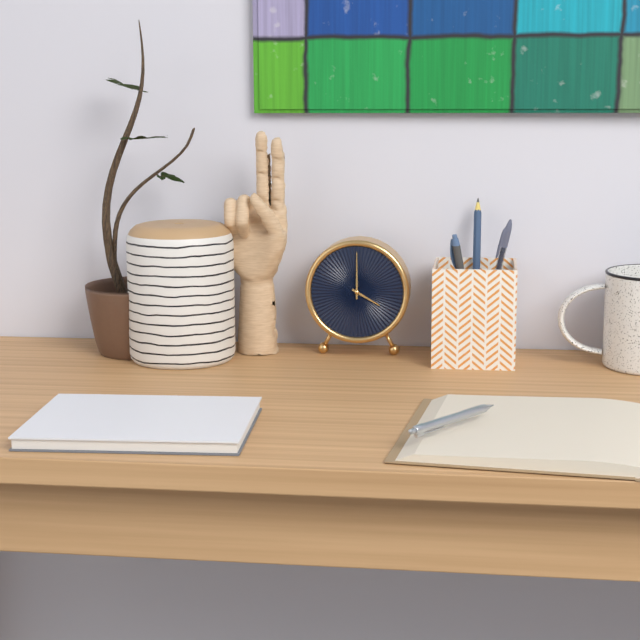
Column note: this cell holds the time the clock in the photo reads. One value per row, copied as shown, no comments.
4:00
